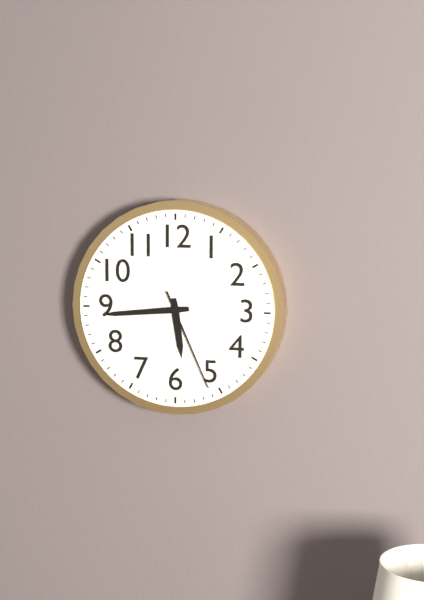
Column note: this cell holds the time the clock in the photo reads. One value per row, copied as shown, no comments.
5:44:26
